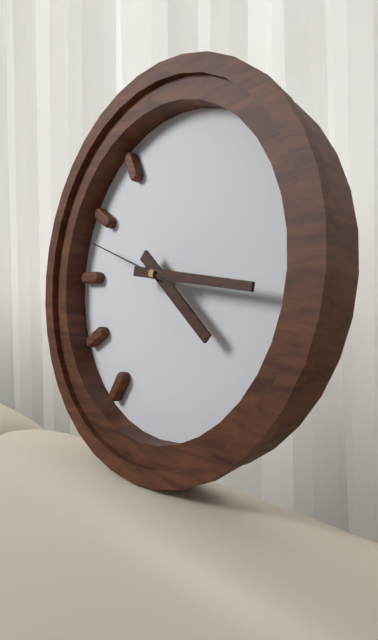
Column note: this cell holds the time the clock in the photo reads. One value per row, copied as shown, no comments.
4:16:48
